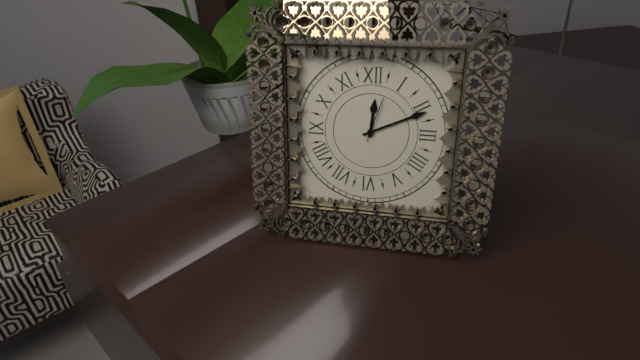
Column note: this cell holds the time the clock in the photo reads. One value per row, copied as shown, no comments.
12:11
